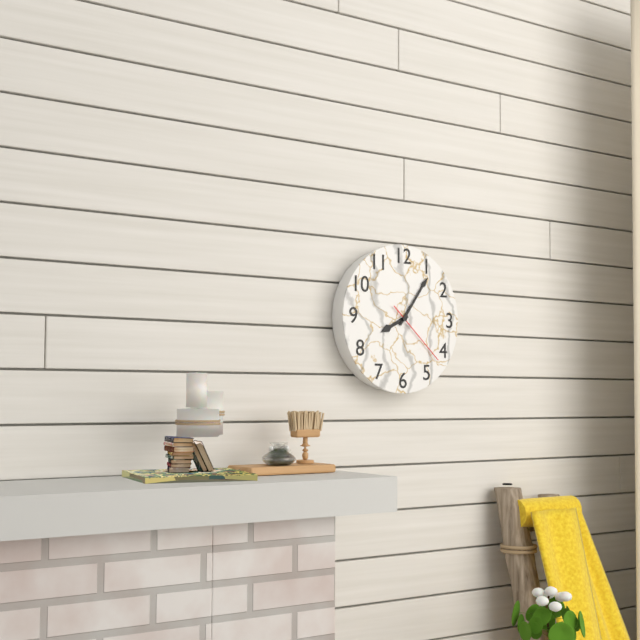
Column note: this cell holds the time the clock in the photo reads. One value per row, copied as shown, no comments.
8:06:22
